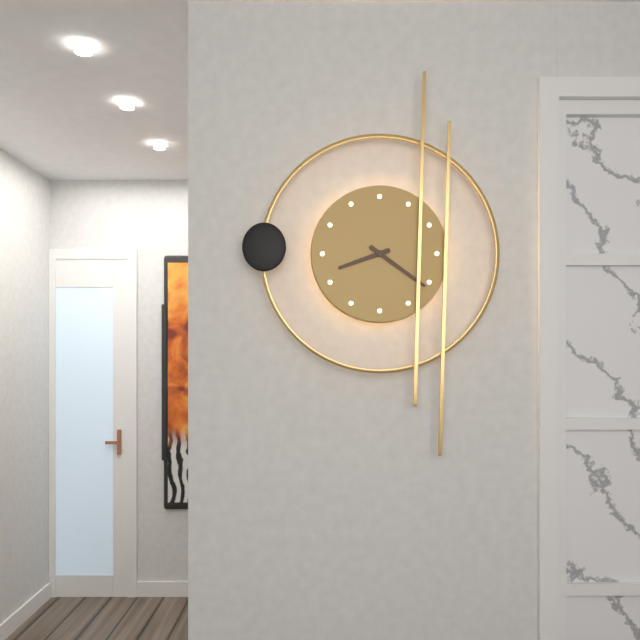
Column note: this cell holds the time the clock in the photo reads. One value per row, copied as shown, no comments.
8:21
